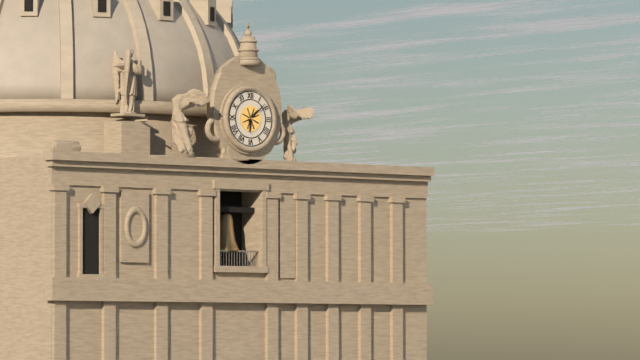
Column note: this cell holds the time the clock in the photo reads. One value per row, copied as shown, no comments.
6:08
